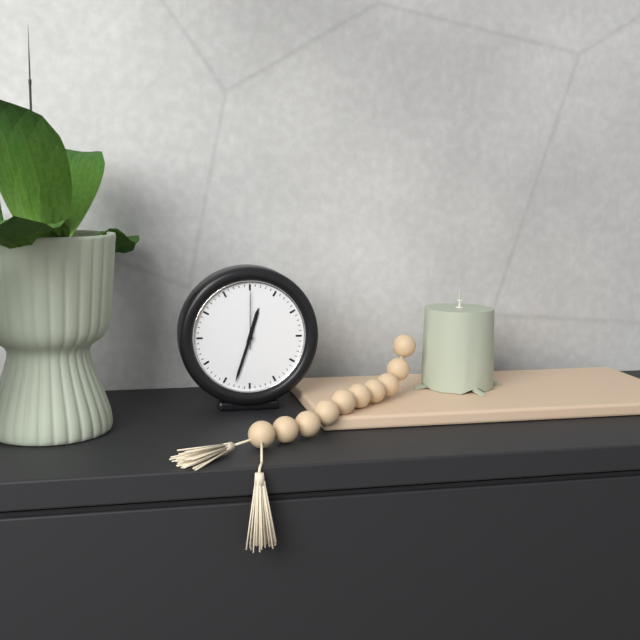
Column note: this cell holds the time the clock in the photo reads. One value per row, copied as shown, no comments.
12:33:00
